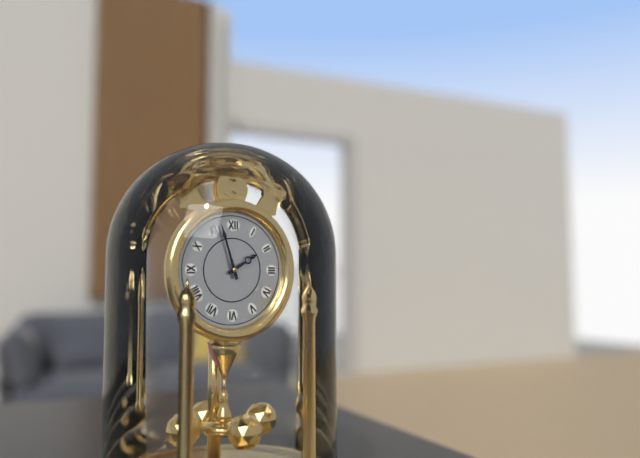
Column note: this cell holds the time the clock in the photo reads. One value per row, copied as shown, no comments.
1:57
